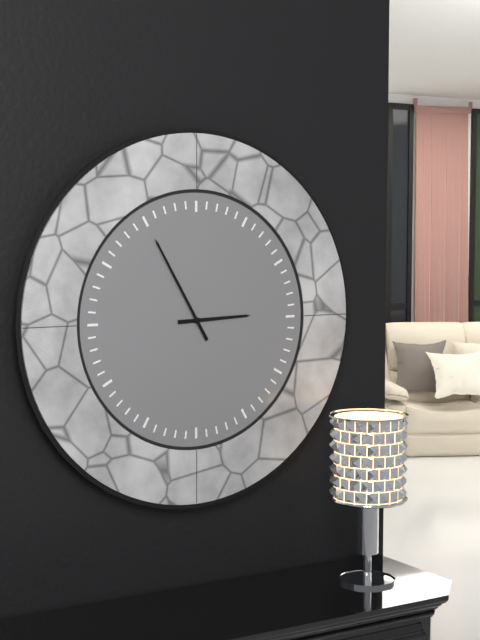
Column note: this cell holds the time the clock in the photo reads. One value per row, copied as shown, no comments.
2:55
